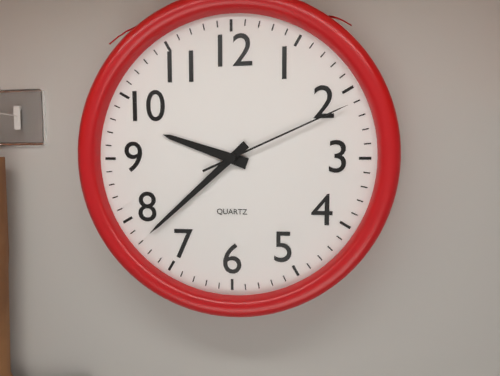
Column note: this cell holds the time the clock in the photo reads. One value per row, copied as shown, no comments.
9:38:11
